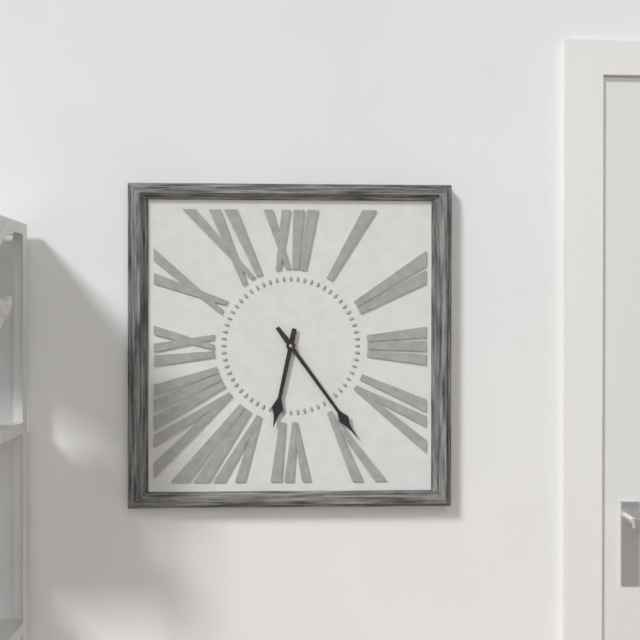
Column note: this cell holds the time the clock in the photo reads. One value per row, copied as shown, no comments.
6:24
